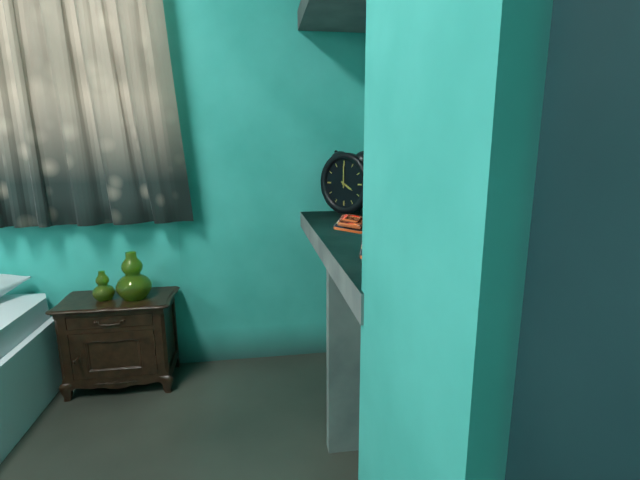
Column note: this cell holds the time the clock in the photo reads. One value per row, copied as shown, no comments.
4:00
